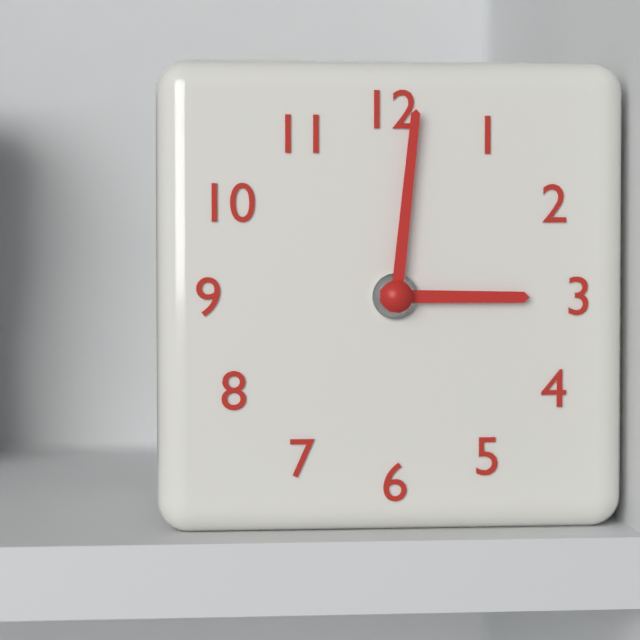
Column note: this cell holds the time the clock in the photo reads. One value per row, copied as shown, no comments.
3:01
